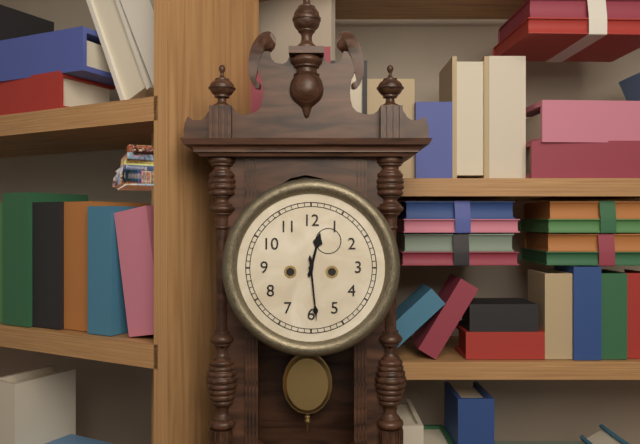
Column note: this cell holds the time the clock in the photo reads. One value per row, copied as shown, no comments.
12:29
